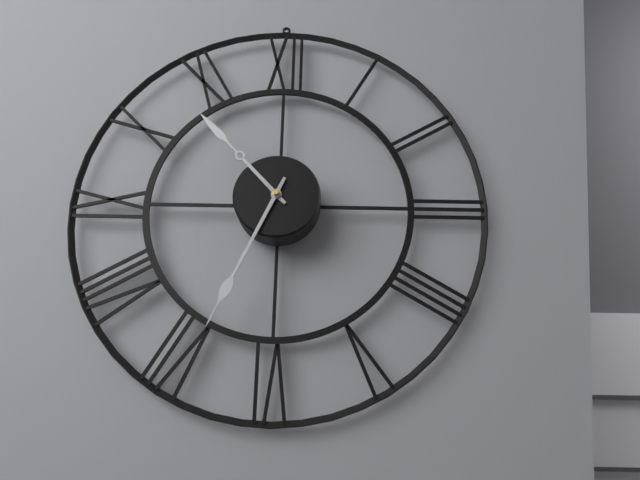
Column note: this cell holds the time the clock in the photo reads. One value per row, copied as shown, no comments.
10:34
